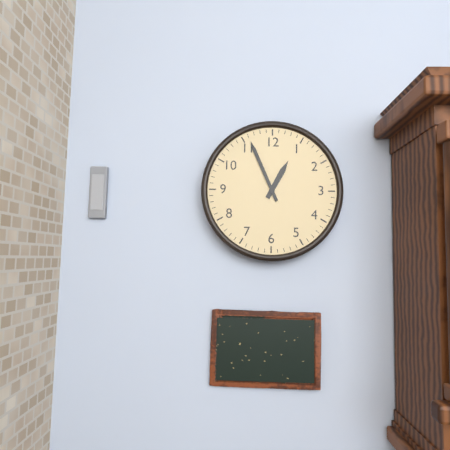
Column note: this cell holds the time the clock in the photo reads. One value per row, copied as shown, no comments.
12:56
